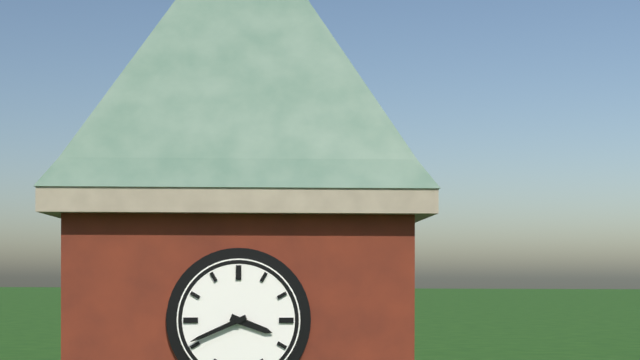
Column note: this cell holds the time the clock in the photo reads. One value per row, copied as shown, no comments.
3:41
